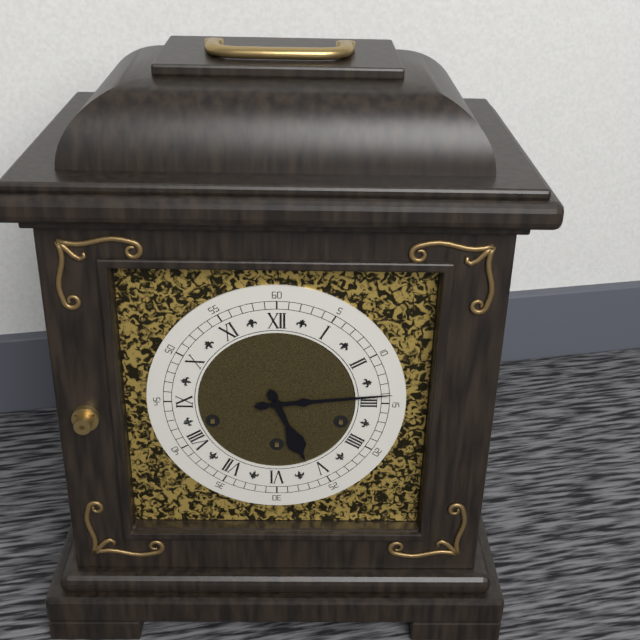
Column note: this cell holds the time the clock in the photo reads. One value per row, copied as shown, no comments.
5:14
